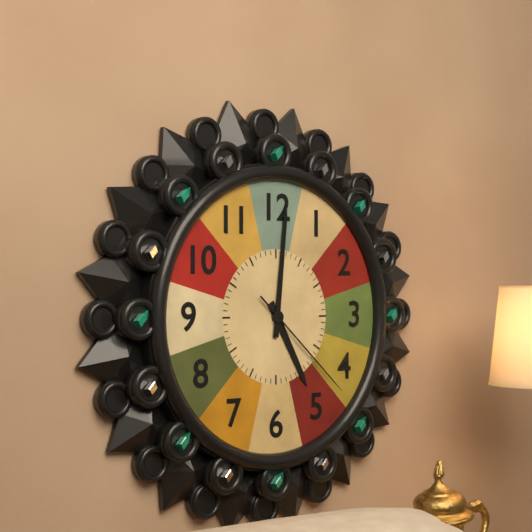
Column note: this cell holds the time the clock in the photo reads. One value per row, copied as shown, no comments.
5:01:22
